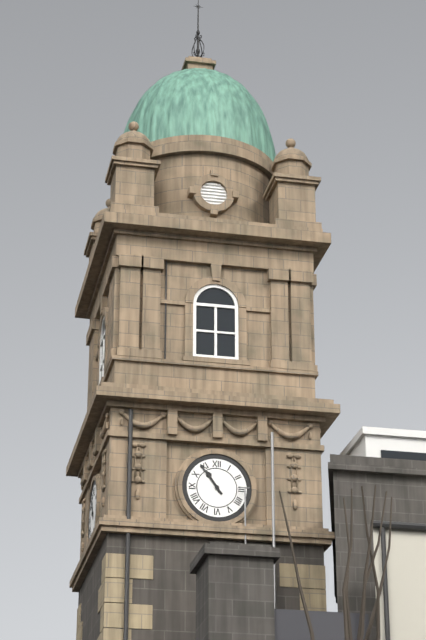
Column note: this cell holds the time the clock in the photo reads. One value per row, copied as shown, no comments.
10:54
